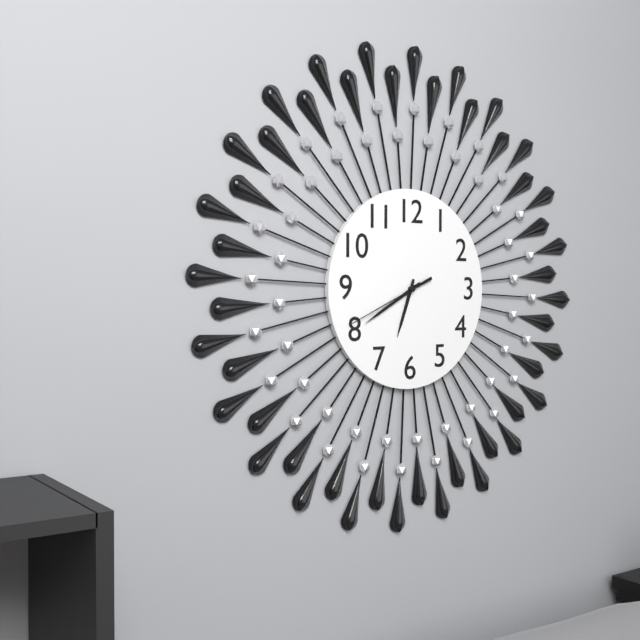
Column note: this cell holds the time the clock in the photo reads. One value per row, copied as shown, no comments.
6:40:41
